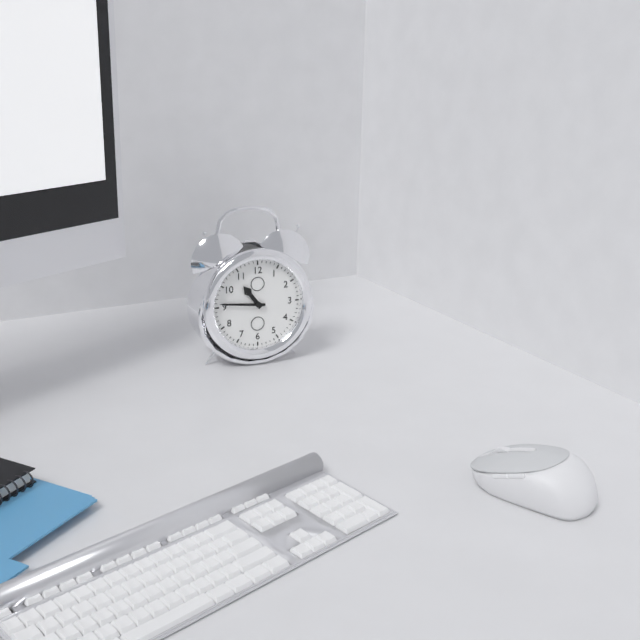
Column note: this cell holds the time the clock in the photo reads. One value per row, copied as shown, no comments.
10:46
